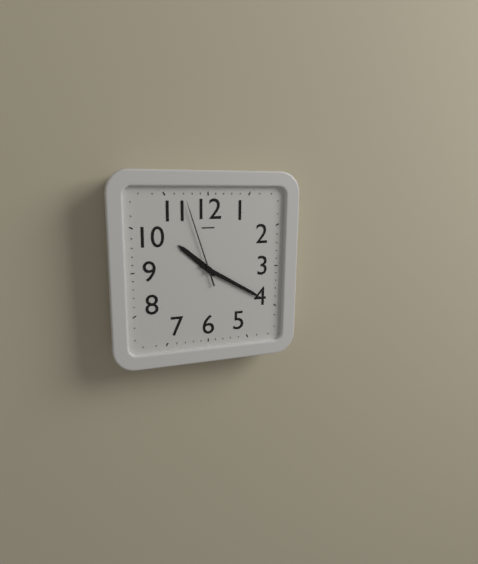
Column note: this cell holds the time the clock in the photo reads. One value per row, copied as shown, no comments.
10:20:57
